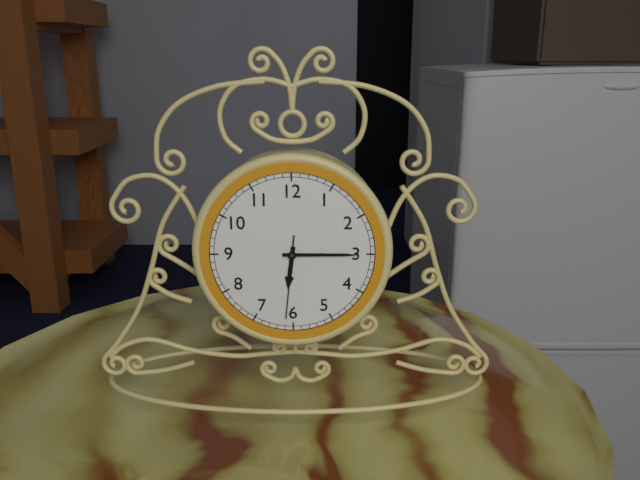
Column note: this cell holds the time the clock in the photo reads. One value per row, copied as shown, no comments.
6:15:31
